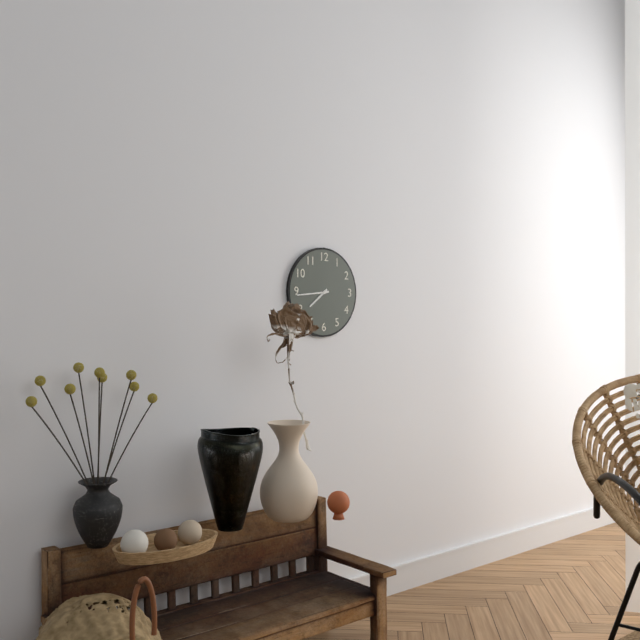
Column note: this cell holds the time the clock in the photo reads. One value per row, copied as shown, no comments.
7:44
